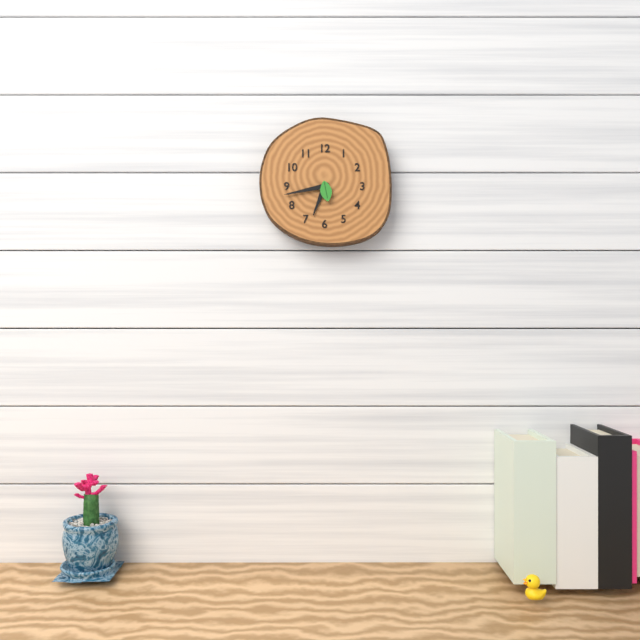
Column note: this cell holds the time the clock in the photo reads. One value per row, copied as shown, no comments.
6:43
